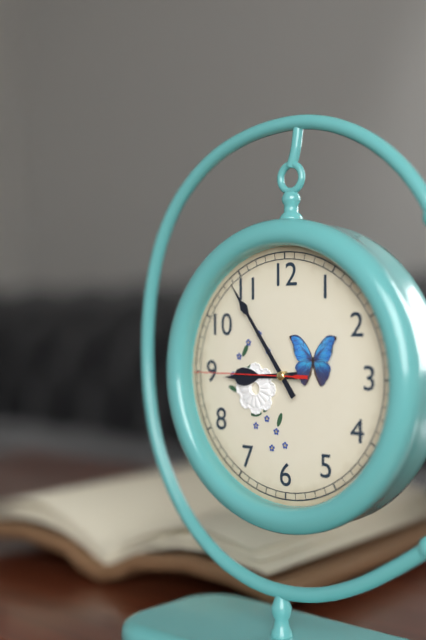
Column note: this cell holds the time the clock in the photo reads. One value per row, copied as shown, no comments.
8:54:45
